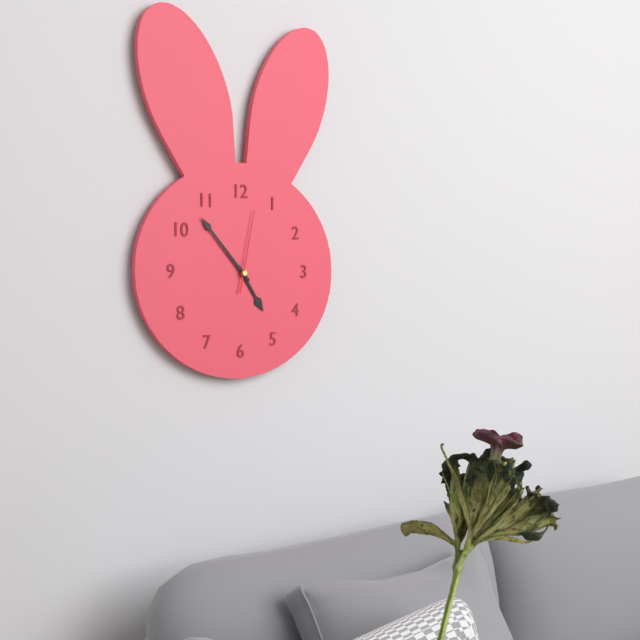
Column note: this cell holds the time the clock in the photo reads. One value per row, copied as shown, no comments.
4:53:02
